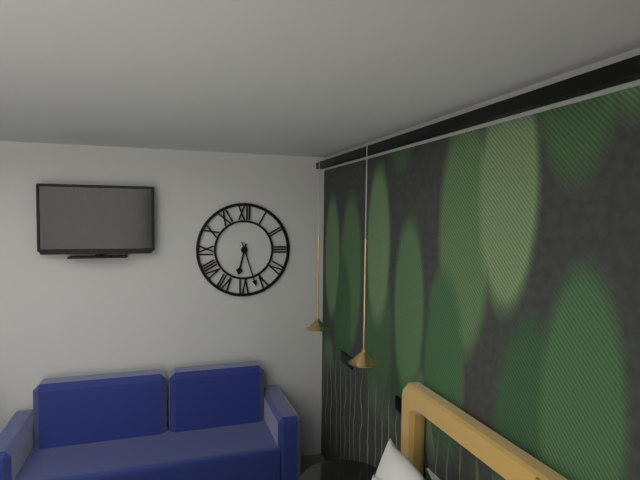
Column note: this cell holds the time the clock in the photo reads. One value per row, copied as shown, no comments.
6:27
